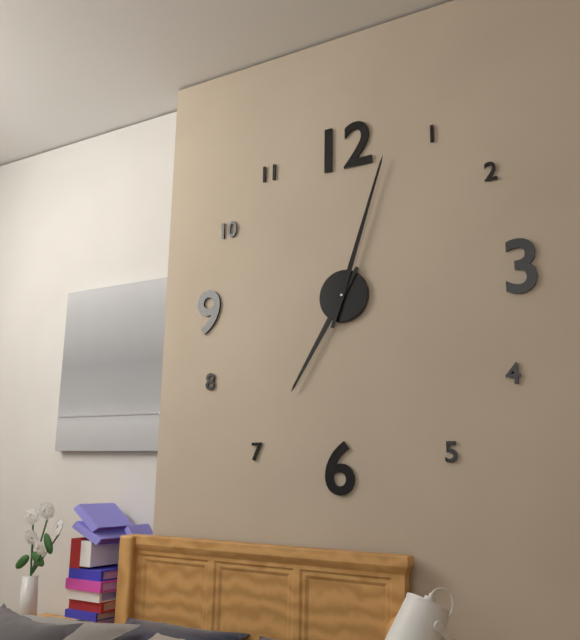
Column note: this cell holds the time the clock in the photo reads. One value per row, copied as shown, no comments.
7:03
